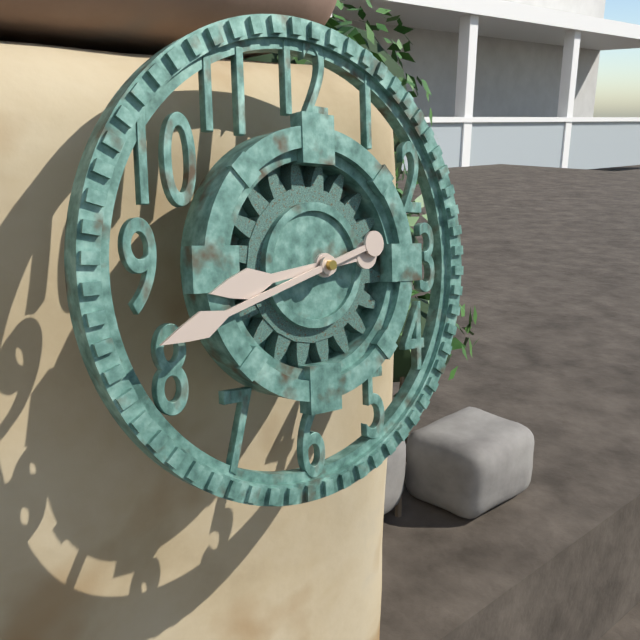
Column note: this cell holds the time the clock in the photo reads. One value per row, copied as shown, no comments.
8:42
